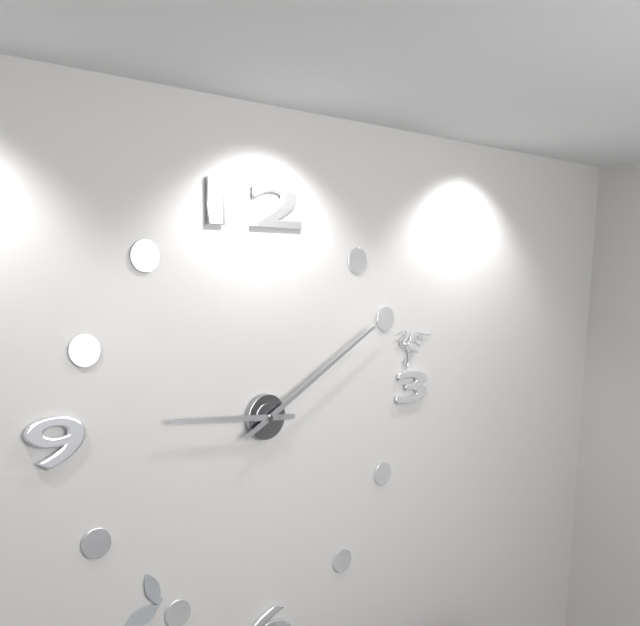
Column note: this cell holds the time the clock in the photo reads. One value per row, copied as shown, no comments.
9:10
